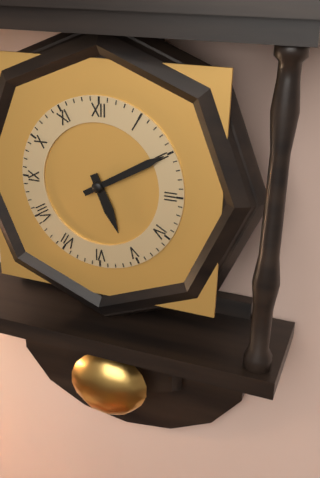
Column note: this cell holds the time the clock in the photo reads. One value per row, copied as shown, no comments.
5:10
